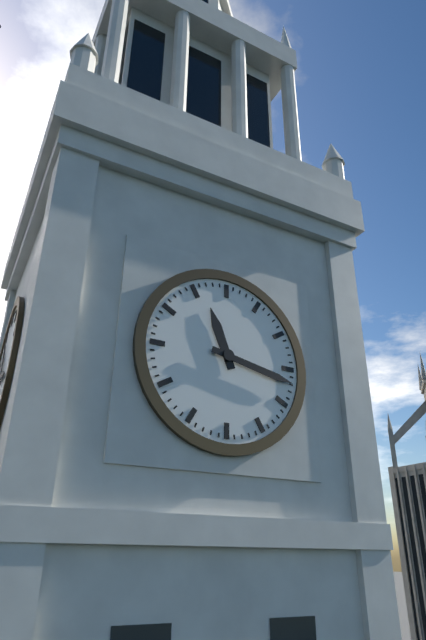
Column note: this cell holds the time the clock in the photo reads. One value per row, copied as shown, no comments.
11:17
